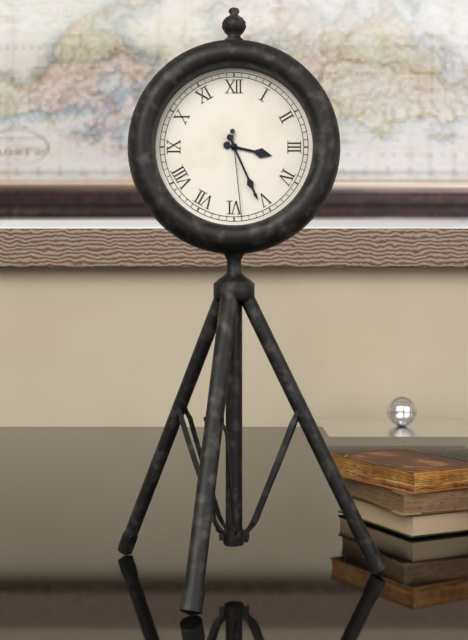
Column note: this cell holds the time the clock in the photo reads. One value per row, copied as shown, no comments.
3:26:29
